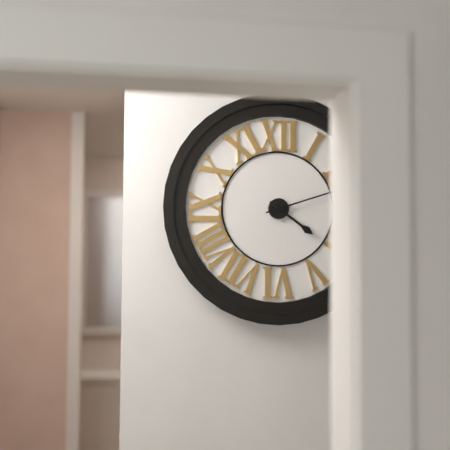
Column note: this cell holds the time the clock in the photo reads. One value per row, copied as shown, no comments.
4:12
